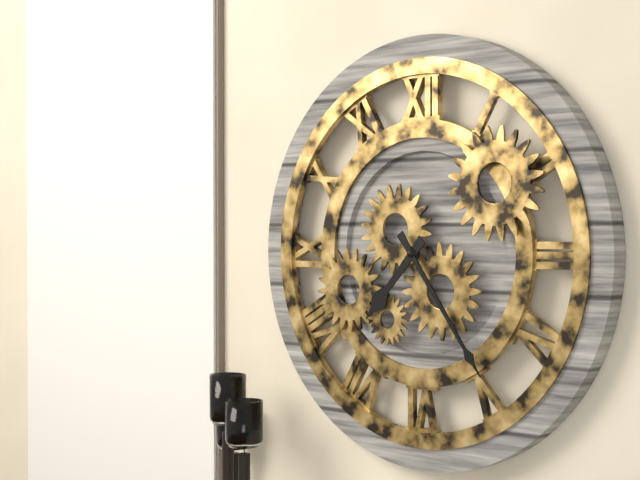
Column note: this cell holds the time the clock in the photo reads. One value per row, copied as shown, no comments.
7:24
